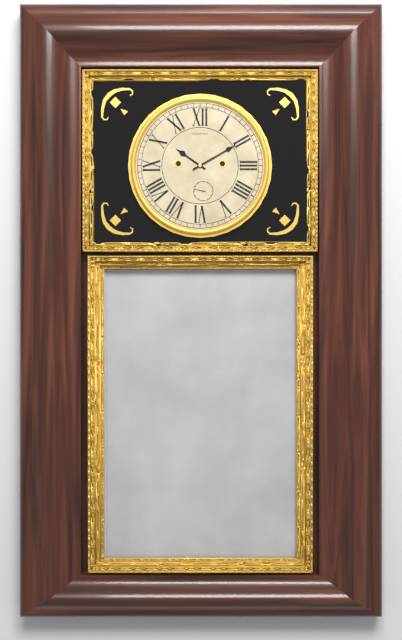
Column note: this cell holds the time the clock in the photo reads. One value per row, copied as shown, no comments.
10:10
